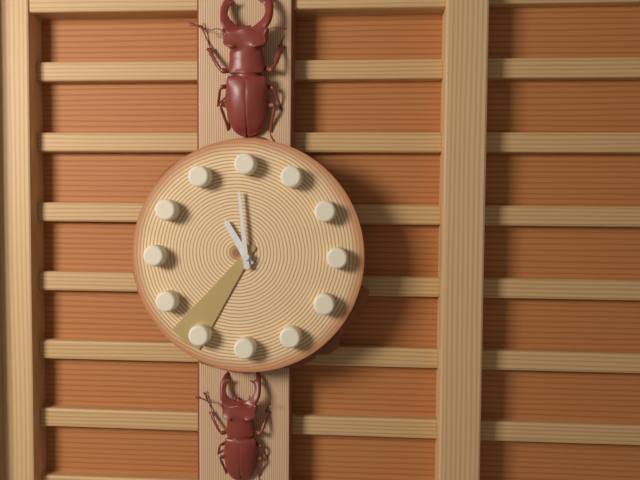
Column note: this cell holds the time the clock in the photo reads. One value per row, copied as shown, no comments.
10:59:36
